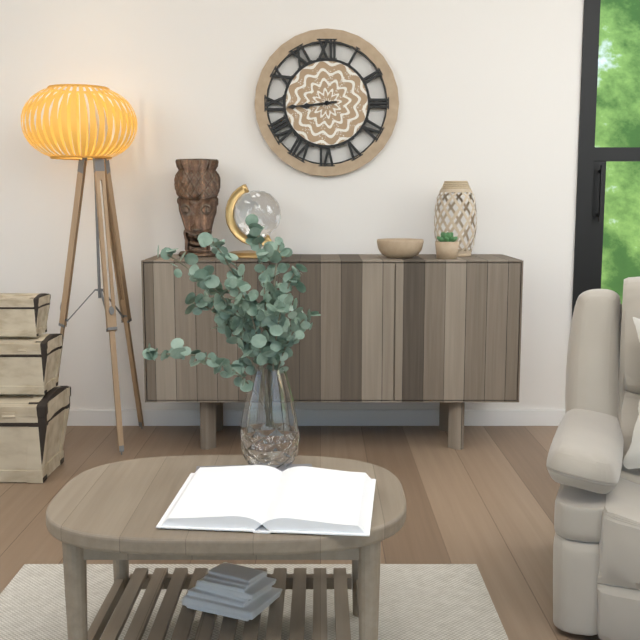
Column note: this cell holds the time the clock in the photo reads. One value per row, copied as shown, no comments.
8:44
